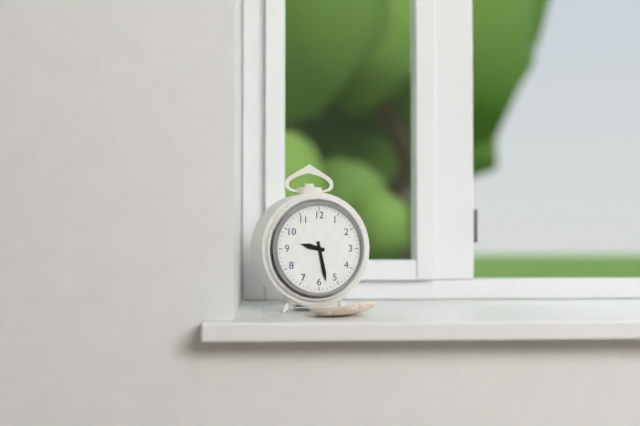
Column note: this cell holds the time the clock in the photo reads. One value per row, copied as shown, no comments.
9:28
